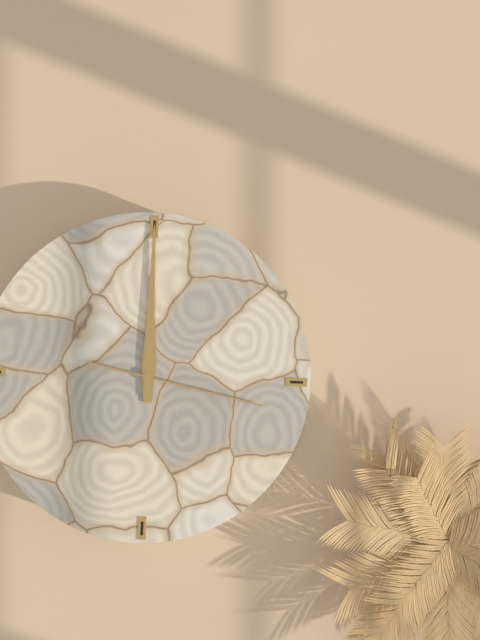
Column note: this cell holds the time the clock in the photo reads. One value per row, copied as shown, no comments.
12:00:17
